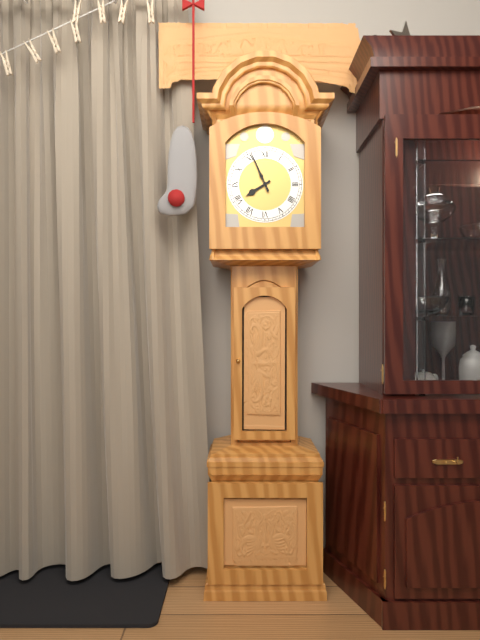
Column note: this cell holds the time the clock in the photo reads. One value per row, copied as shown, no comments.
7:56
